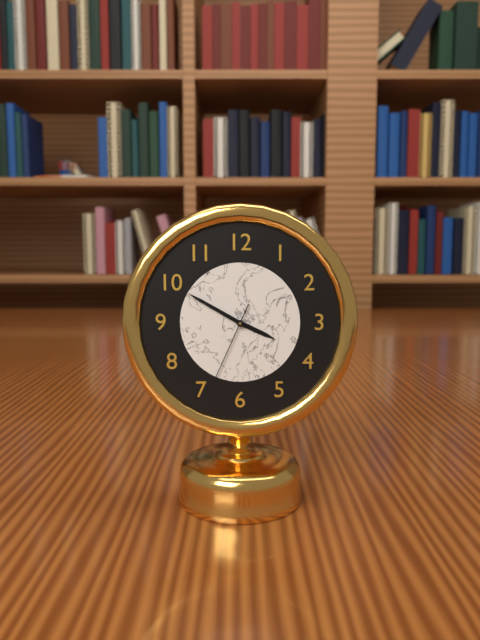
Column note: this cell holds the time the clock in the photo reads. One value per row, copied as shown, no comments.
3:50:34
